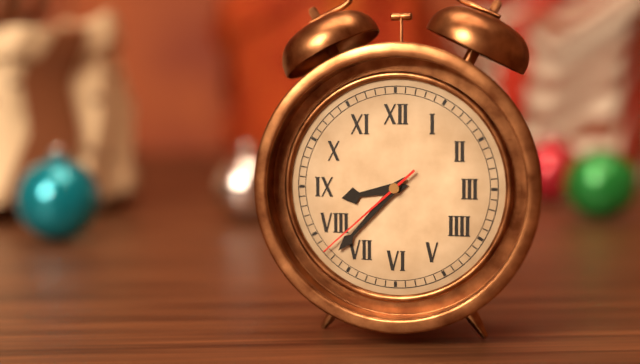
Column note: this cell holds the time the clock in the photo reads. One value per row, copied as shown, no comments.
8:37:38
